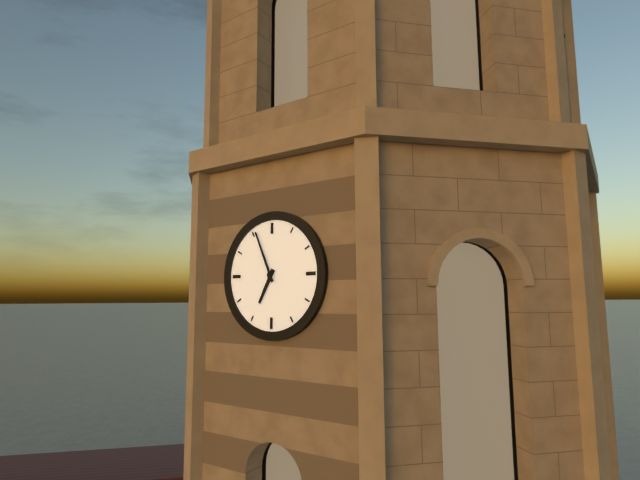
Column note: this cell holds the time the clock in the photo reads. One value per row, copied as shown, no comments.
6:56
